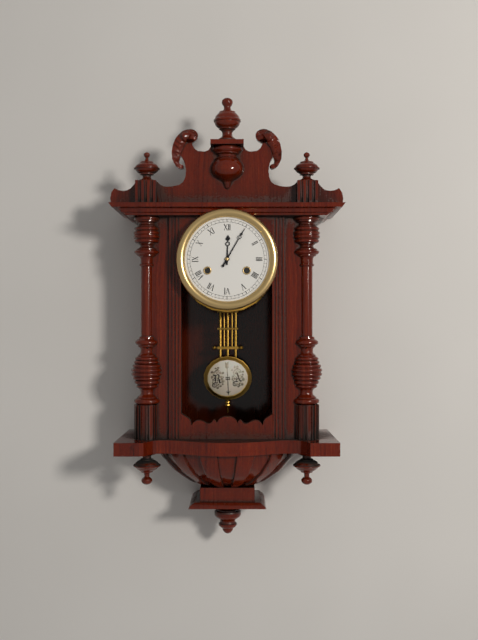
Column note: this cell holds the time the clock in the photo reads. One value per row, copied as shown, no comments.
12:05
